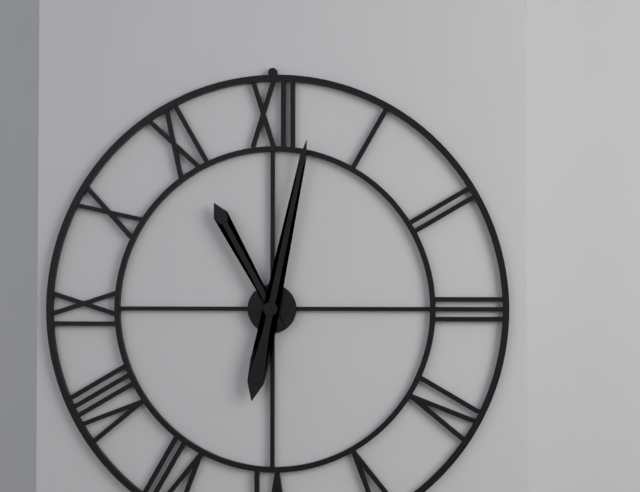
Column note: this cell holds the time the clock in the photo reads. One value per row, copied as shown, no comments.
11:02
